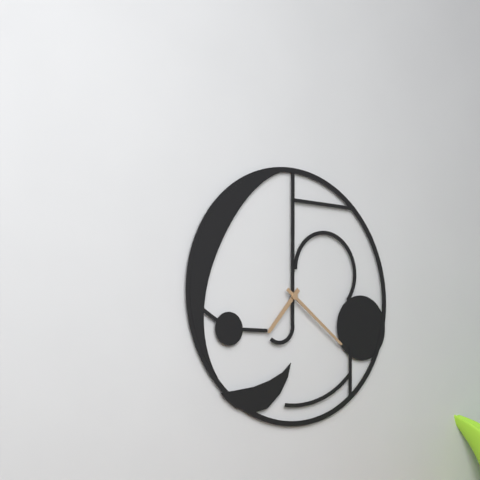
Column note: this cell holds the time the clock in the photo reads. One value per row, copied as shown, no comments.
7:21
